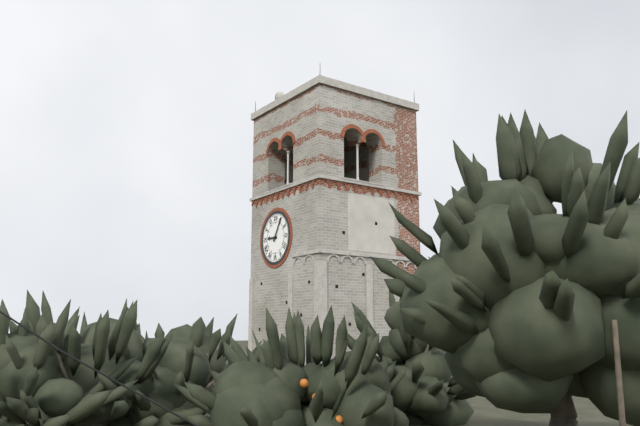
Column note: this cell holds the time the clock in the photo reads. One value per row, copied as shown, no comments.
9:05
